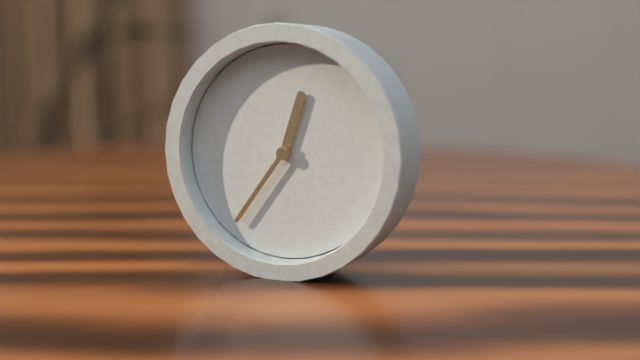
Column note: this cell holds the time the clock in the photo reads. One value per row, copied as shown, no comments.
12:36
